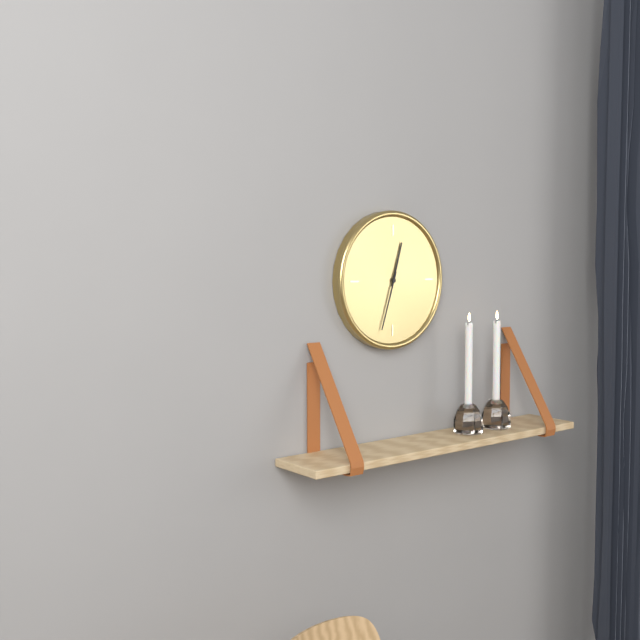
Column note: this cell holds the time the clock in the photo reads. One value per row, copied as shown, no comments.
12:33
